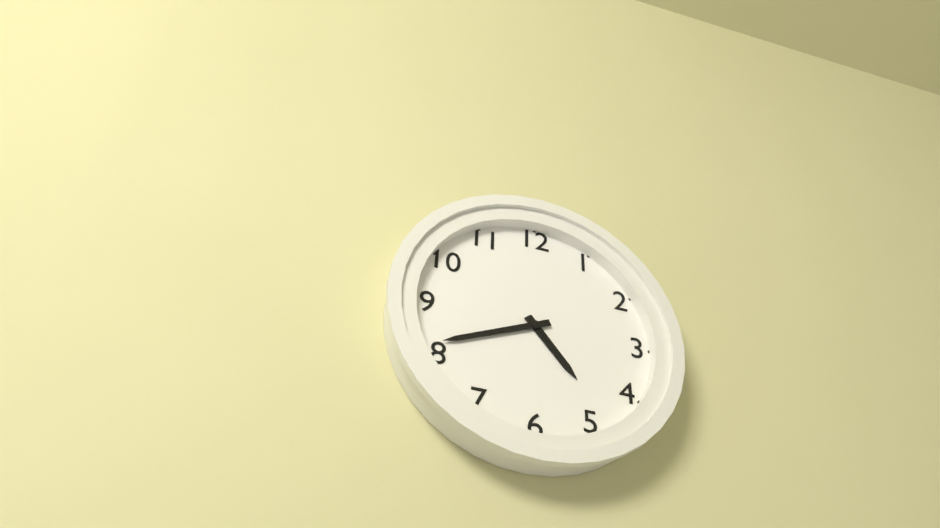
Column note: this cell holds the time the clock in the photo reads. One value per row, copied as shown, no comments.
4:41
